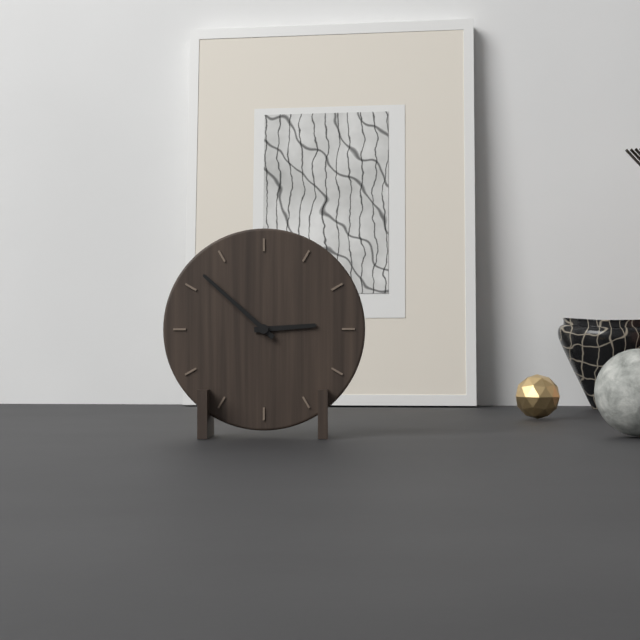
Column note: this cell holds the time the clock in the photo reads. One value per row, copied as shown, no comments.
2:52
